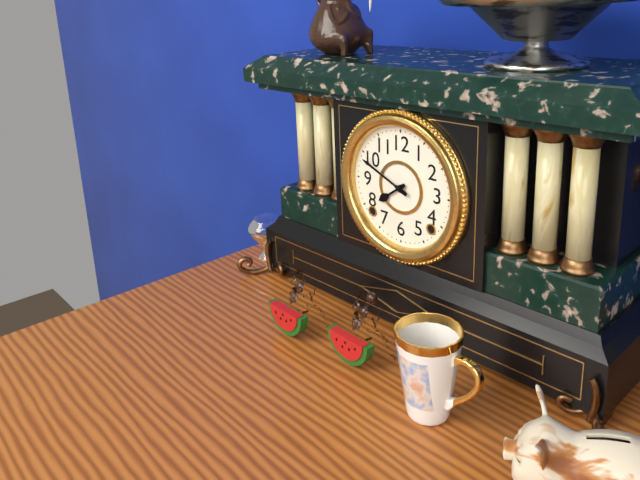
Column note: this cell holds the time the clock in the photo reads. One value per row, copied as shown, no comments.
7:49
